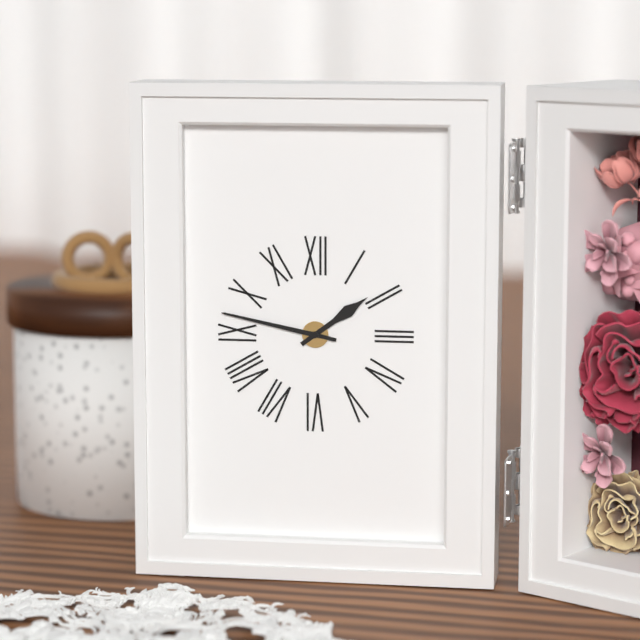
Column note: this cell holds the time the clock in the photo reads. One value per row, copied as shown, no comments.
1:47
